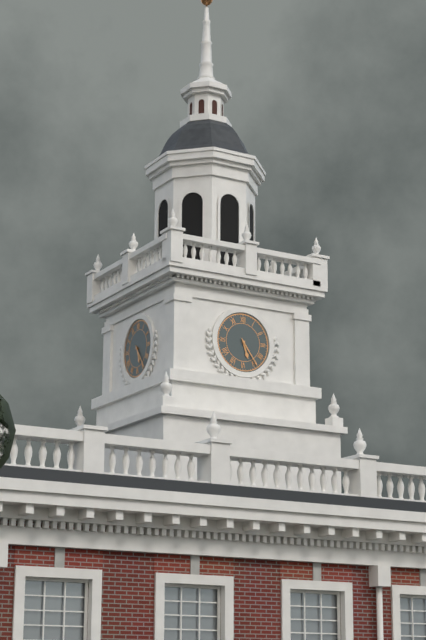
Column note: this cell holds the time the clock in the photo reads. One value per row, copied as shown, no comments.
5:24
